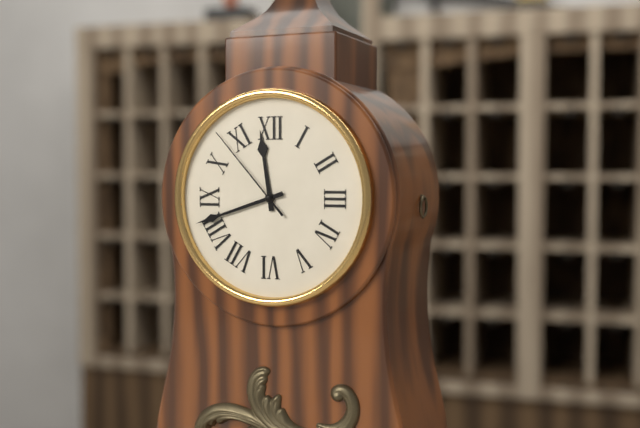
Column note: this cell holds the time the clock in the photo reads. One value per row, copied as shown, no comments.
11:42:53
